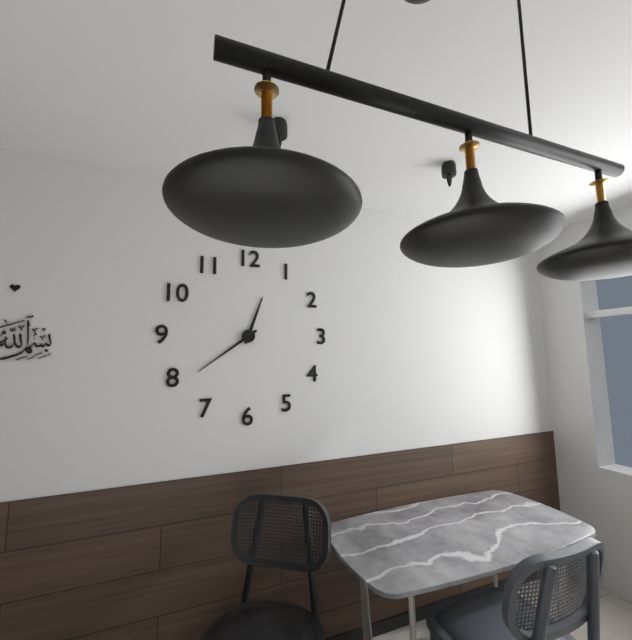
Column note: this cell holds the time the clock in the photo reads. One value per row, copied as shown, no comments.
12:39
